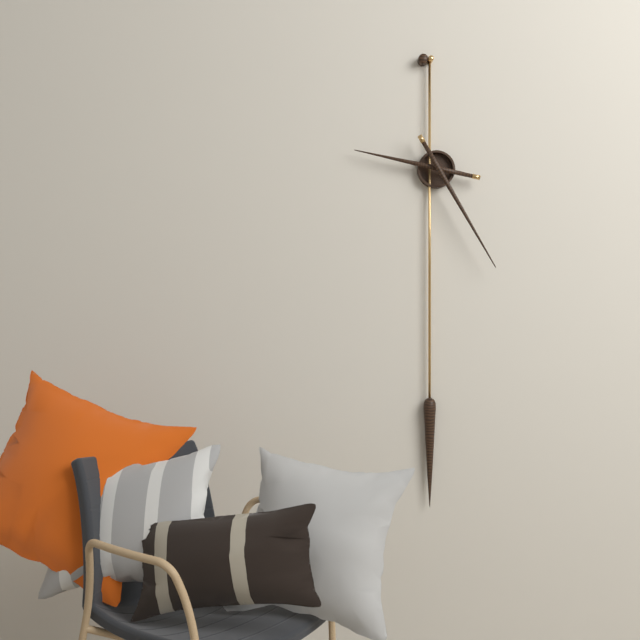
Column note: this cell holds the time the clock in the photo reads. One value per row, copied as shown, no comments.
9:25
